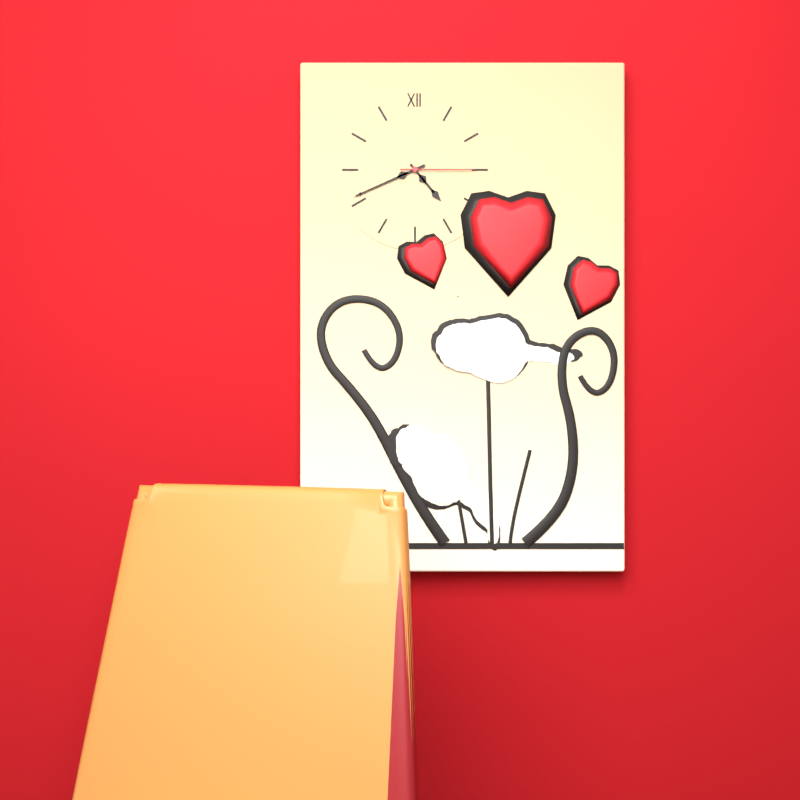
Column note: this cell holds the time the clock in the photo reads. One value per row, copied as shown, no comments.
4:41:15
